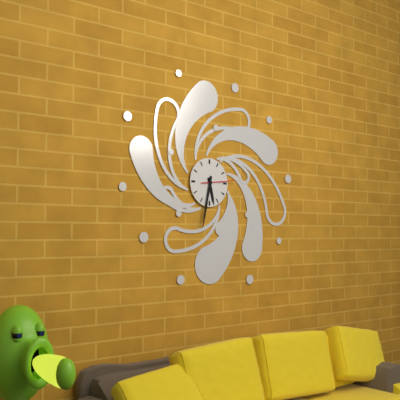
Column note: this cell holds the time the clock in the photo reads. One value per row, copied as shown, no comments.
5:32
